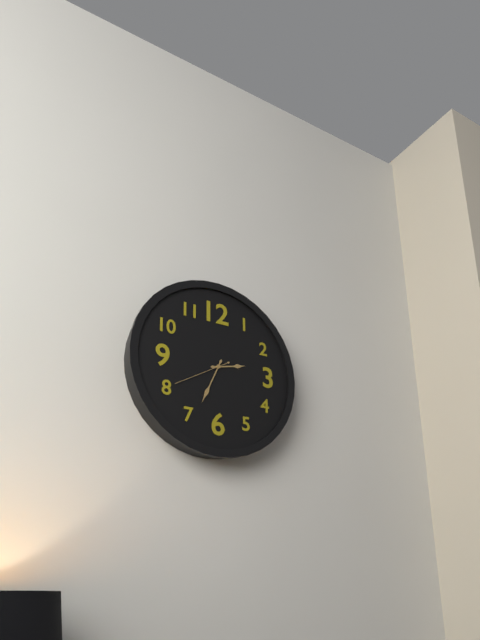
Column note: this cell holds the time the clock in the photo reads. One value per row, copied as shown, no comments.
2:34:40
